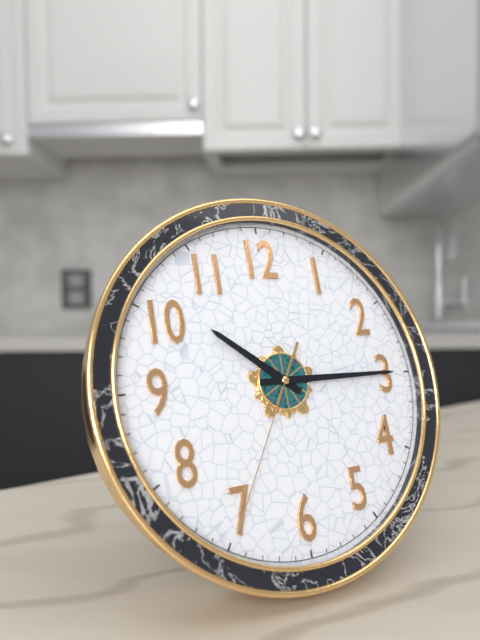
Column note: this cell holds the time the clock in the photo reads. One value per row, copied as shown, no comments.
10:15:35
